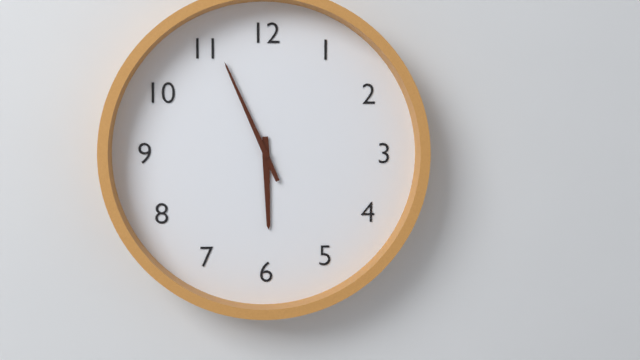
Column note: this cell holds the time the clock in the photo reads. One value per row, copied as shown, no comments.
5:56
